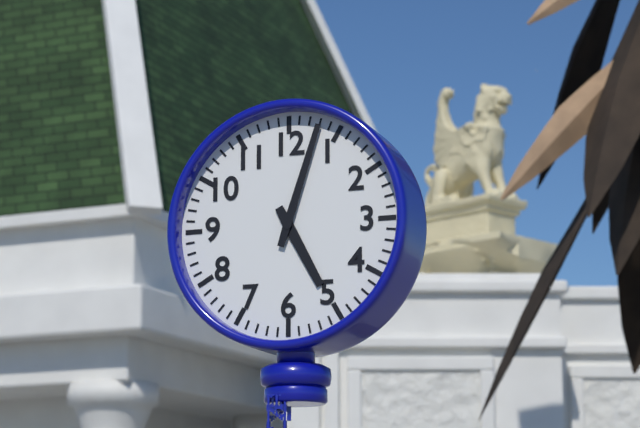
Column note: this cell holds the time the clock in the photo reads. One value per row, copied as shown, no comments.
5:03
